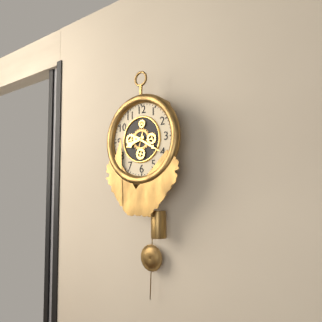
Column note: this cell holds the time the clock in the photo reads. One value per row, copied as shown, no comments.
8:20
